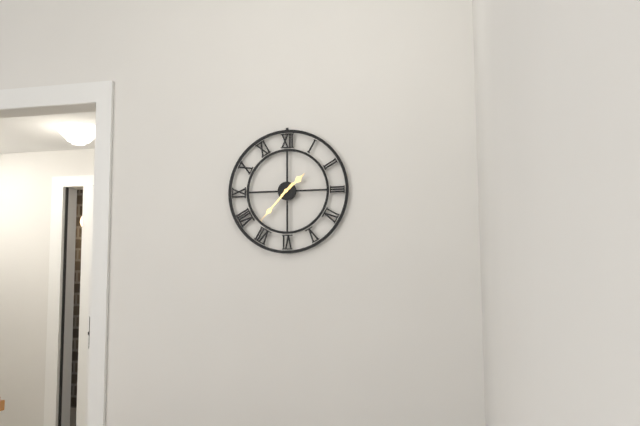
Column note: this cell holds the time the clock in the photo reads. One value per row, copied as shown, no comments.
1:37
